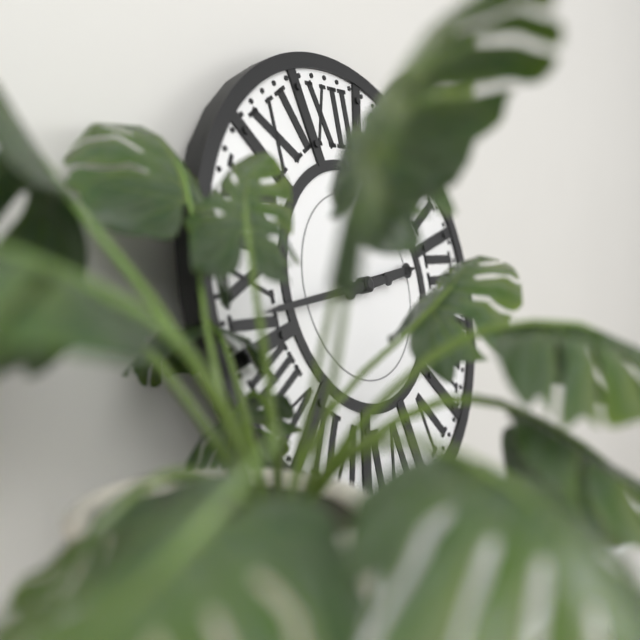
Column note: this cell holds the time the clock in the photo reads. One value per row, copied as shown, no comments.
2:44
